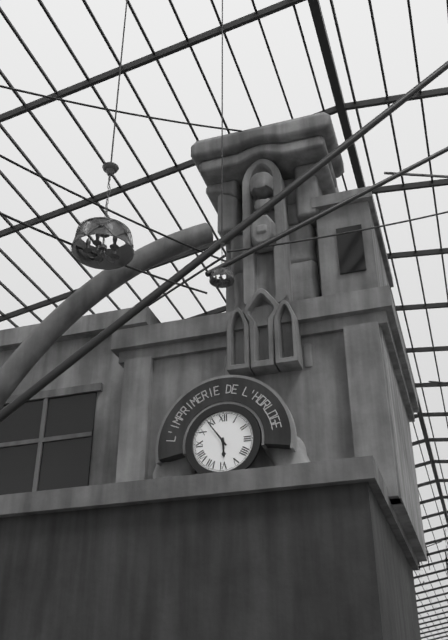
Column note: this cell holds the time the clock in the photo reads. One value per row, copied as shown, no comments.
5:54
